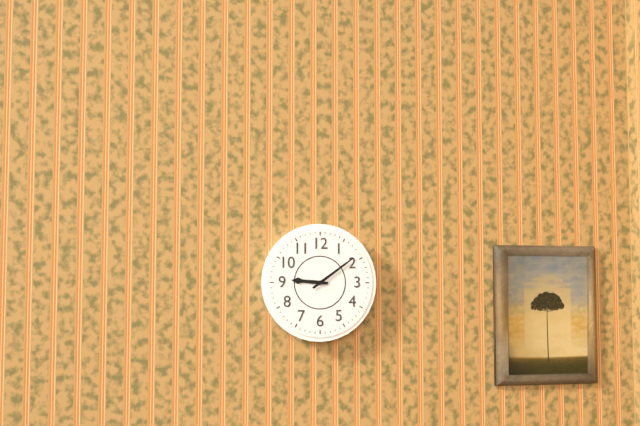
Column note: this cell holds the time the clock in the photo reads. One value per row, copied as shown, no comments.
9:09
